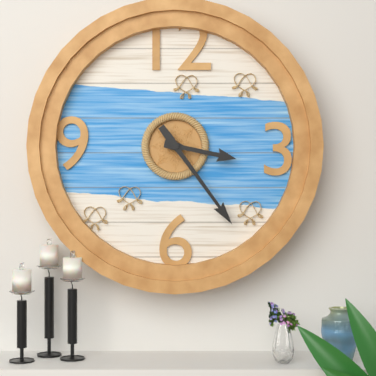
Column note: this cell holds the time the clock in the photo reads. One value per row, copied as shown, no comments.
3:24
